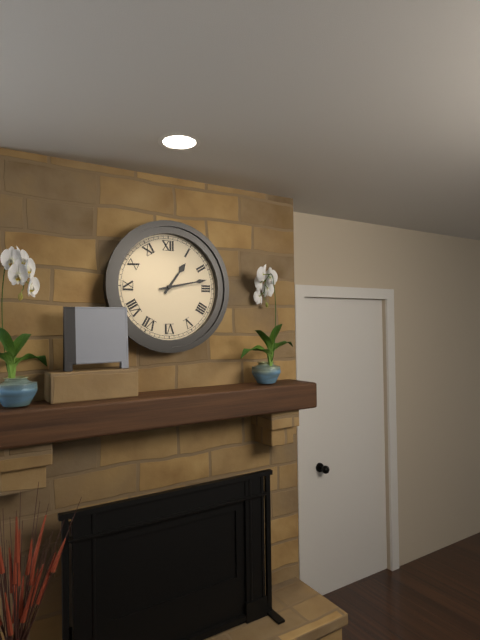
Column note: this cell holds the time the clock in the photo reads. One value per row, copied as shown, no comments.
1:13
